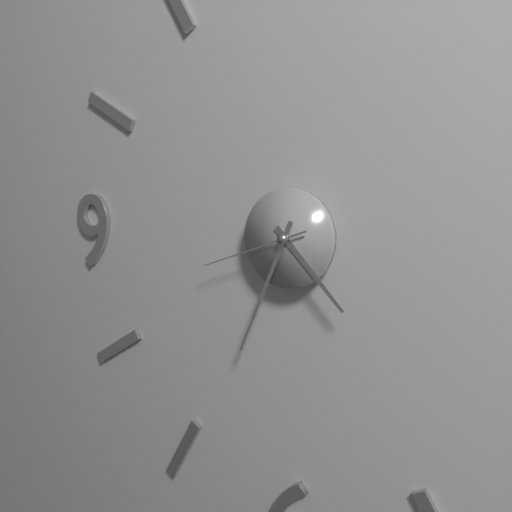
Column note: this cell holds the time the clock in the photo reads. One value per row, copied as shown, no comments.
4:34:42
